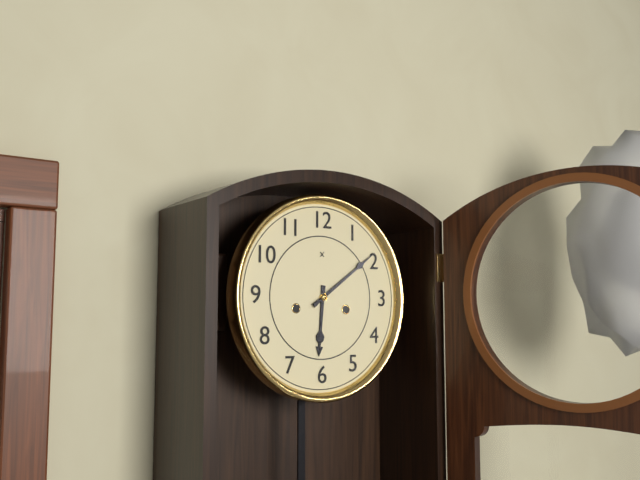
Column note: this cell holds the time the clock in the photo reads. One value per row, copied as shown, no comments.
6:09
